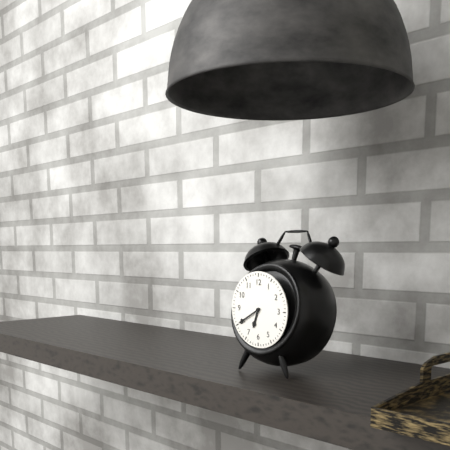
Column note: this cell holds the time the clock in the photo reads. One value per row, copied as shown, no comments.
6:40
